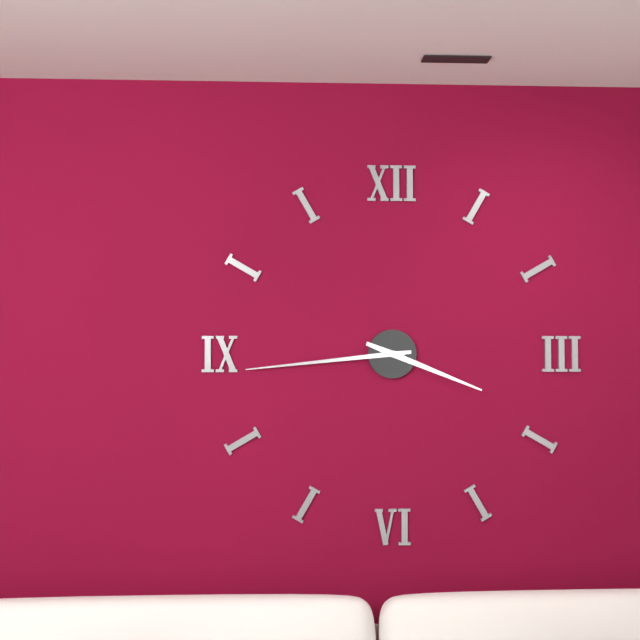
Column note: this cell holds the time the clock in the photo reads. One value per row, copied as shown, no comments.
3:44
